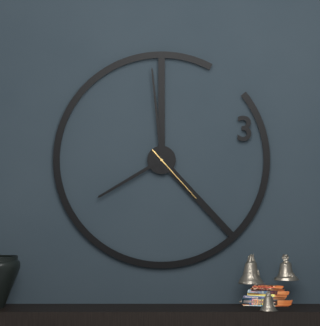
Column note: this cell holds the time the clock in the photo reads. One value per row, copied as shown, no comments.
7:59:23
